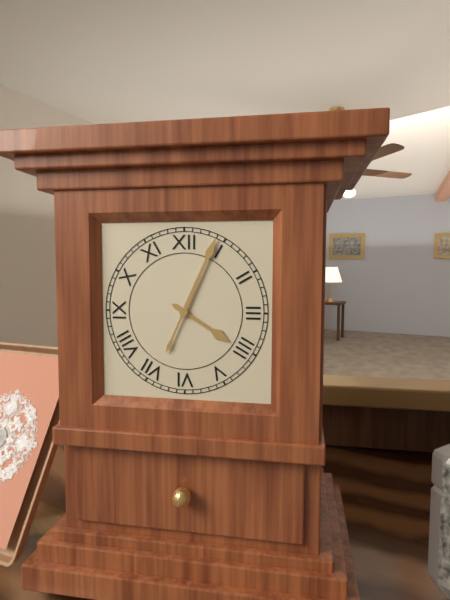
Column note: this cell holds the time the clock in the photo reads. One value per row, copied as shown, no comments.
4:04
